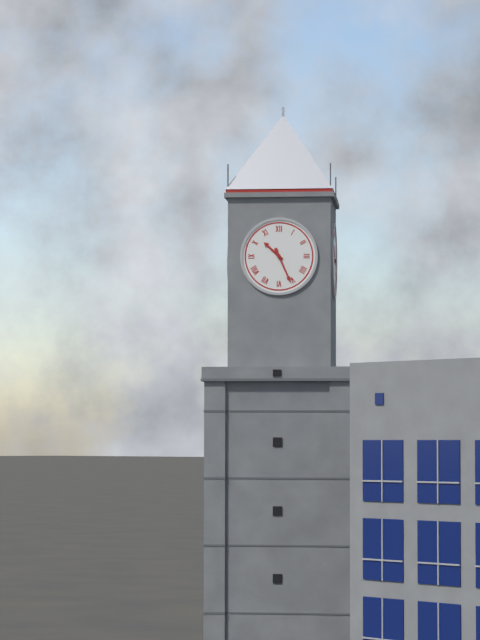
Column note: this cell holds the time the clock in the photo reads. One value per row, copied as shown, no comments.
10:26
